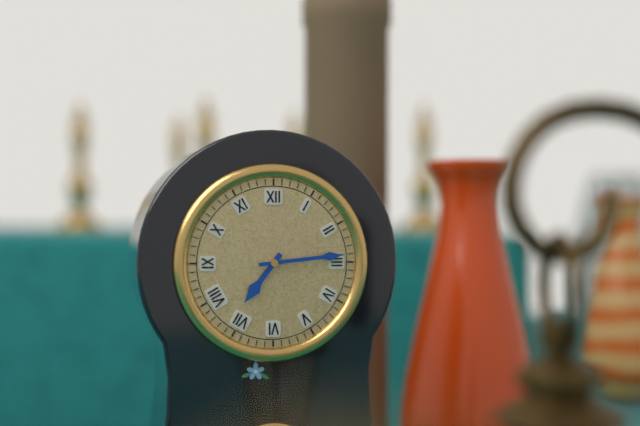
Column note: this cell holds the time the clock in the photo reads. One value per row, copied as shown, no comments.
7:14
